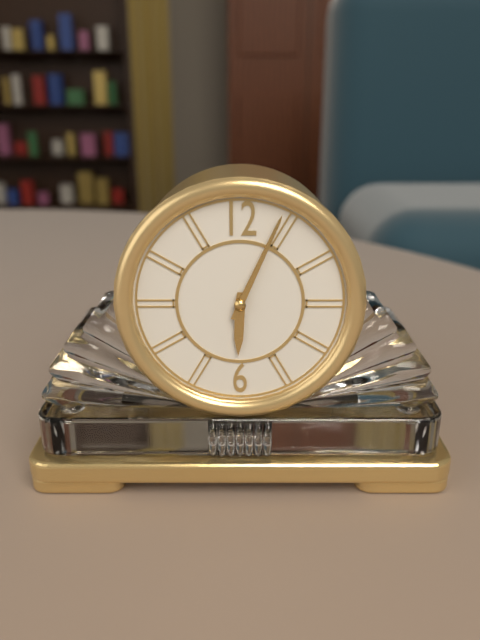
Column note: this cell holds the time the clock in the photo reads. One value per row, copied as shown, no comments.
6:04
